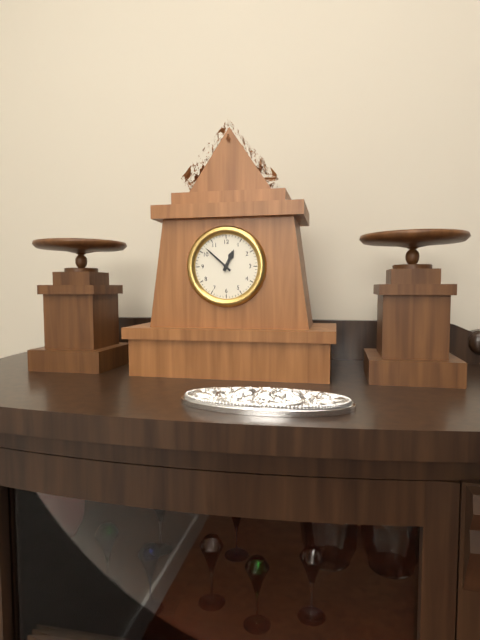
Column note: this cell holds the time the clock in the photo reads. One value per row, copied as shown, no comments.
12:52
